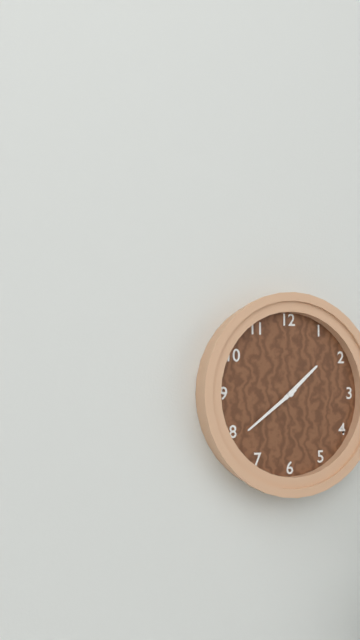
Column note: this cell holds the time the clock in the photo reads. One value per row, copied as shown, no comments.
1:39
